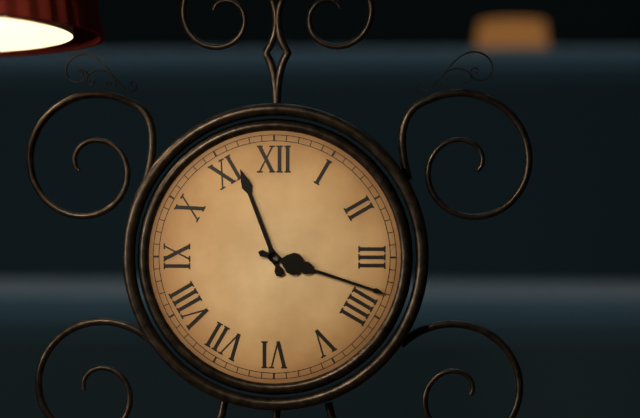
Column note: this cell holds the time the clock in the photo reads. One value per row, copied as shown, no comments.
11:18
